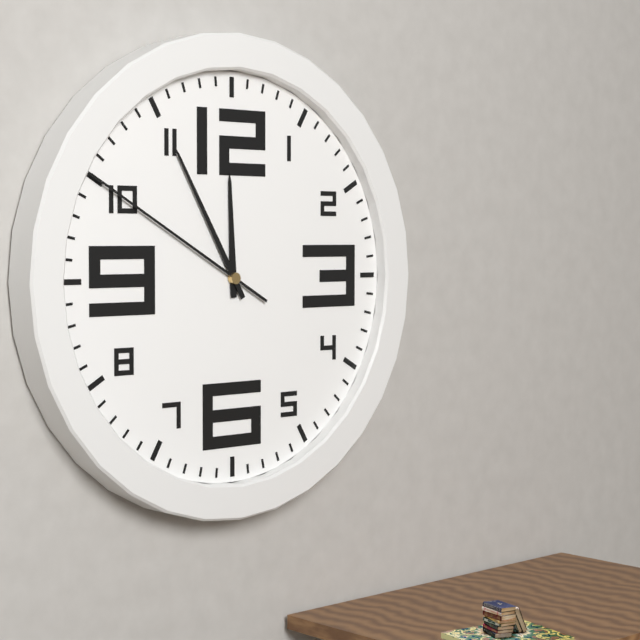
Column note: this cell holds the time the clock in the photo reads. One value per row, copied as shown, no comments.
11:55:50
